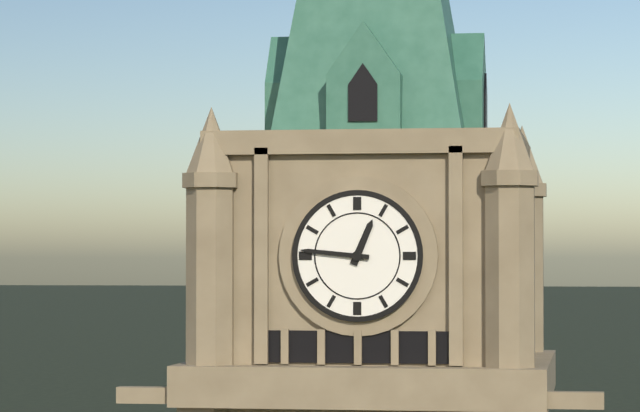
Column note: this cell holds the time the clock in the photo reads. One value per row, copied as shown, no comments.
12:46
